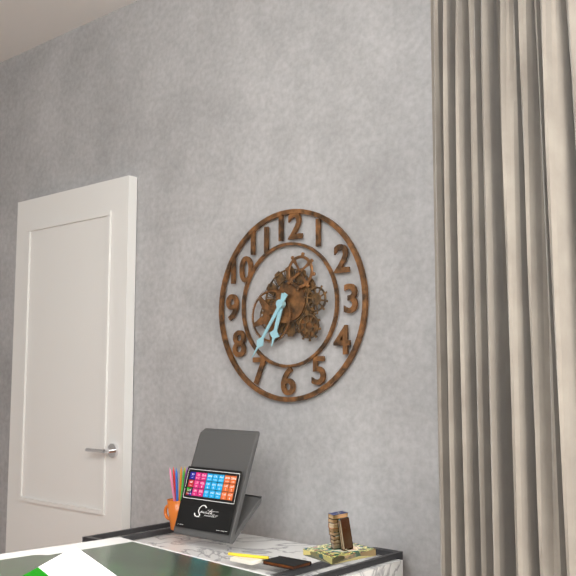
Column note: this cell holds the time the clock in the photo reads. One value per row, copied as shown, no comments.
6:36
